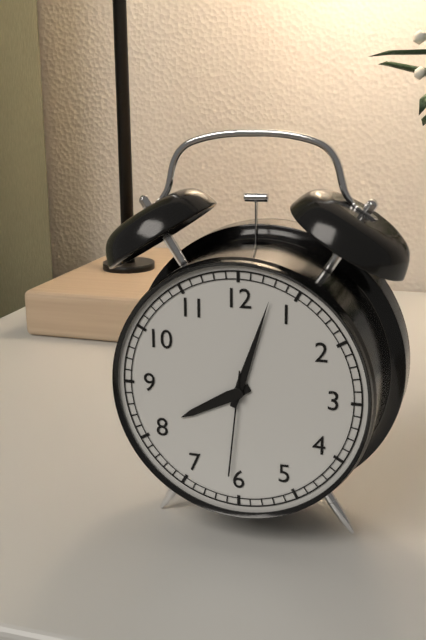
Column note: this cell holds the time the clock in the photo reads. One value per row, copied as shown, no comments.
8:03:31
